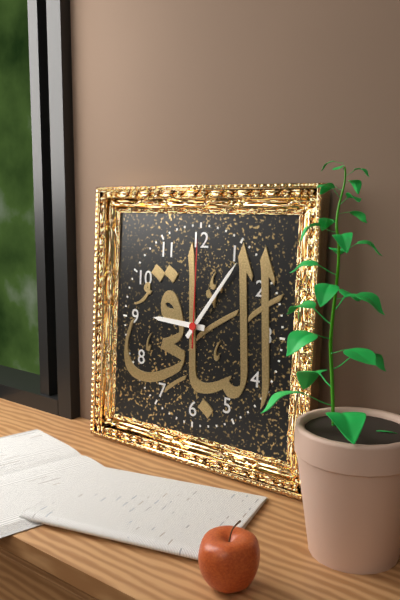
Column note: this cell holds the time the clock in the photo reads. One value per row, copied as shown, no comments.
9:06:00
